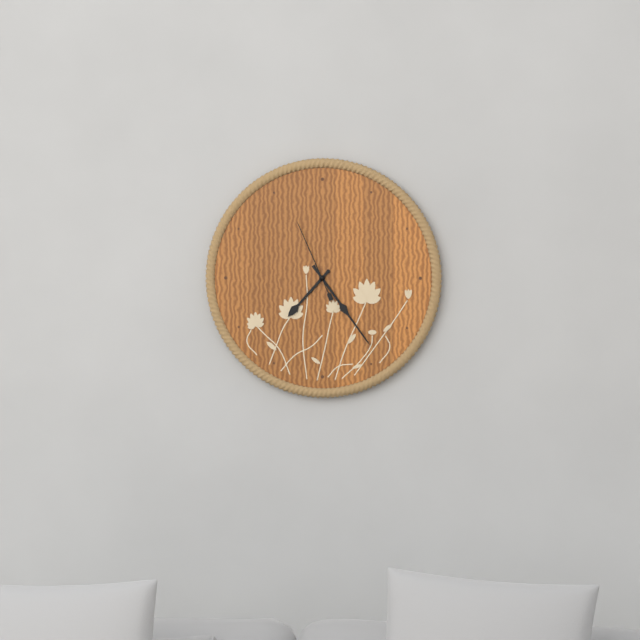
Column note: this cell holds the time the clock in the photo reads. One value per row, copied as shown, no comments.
7:24:56
